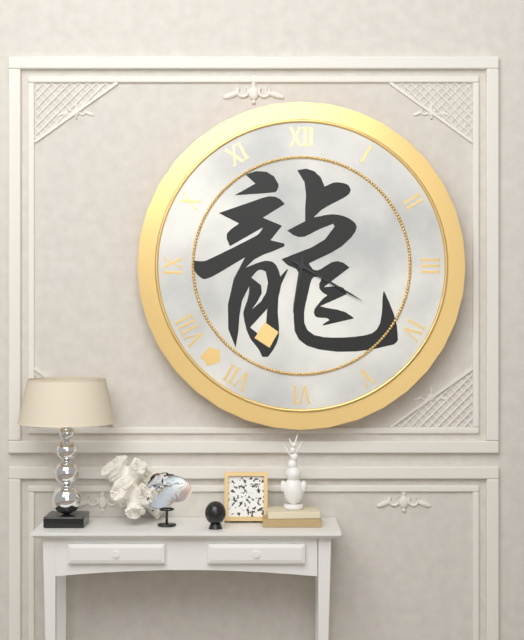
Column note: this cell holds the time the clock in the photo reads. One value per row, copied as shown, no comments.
6:20
